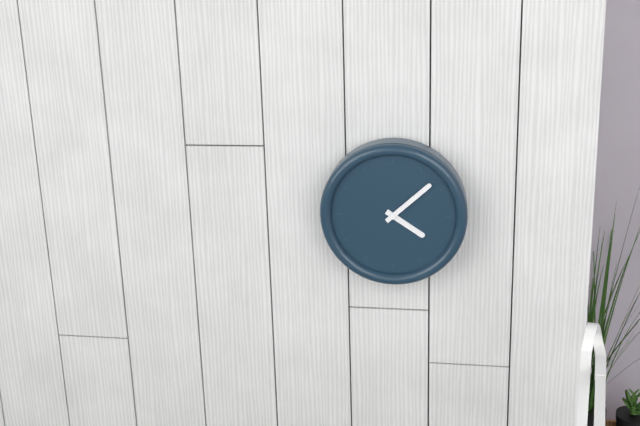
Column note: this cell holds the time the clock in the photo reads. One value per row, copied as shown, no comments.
4:08
